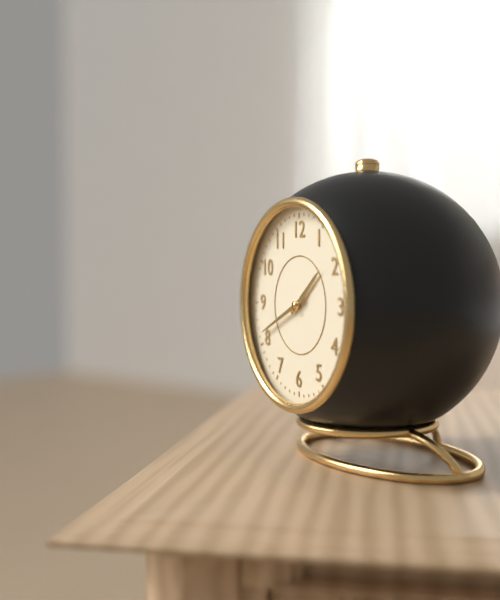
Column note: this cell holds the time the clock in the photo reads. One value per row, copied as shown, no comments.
1:41
